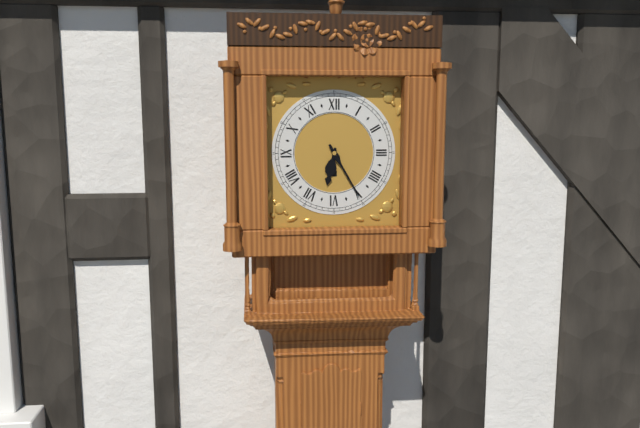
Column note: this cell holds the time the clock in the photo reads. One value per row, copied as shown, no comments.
6:25
